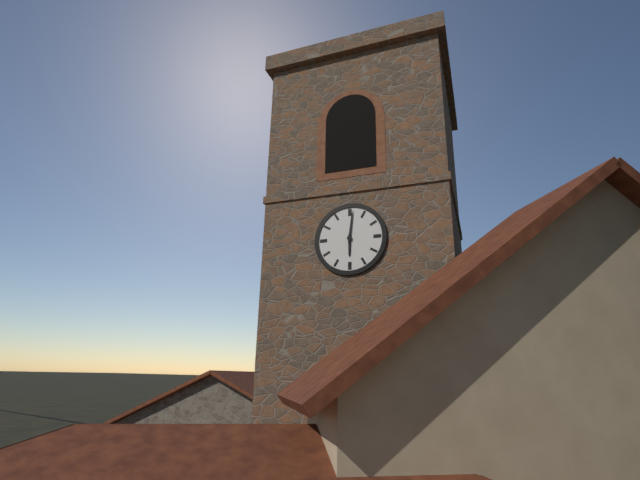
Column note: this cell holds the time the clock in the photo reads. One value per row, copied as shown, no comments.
6:01
